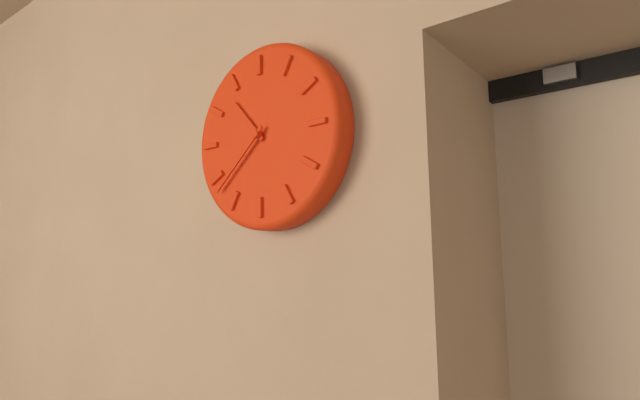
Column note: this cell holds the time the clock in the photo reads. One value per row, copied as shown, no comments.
10:38
